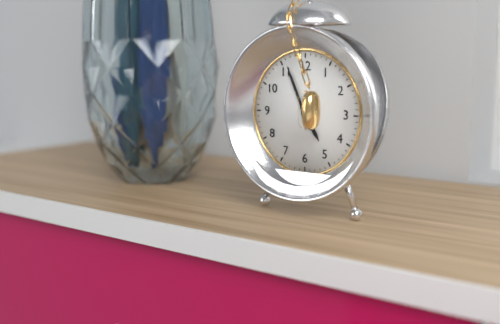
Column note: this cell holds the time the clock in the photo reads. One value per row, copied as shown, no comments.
4:56
